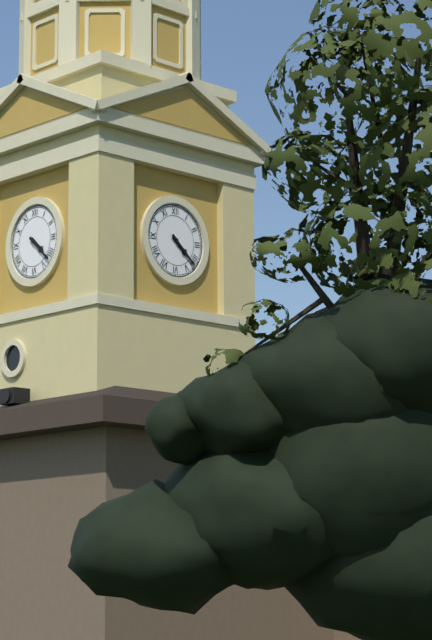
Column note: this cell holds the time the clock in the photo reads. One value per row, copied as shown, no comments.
4:22
